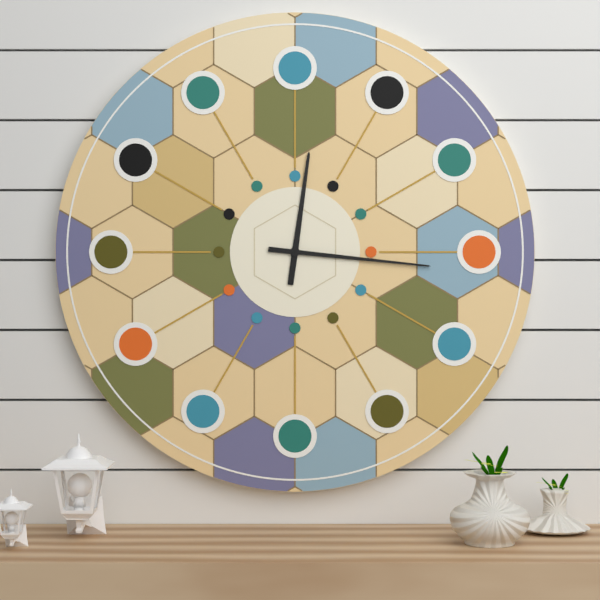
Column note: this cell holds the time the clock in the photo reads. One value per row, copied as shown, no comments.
12:16
